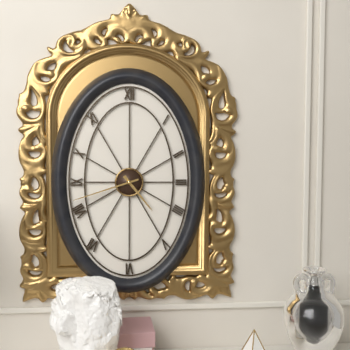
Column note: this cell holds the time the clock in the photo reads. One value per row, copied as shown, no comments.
4:42
